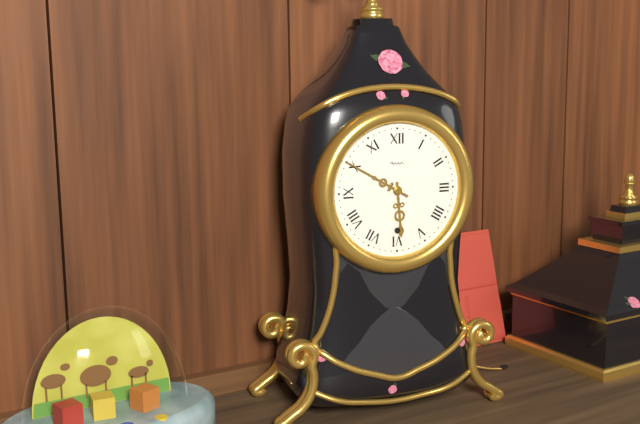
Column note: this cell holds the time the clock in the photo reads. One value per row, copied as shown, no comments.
5:50
